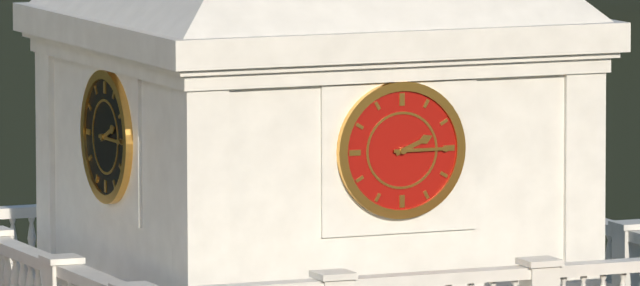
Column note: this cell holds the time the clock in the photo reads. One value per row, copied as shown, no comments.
2:15
